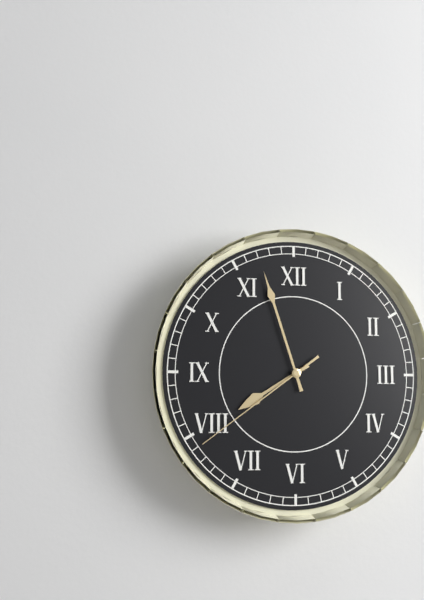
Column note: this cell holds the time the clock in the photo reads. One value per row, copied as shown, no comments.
7:57:39
